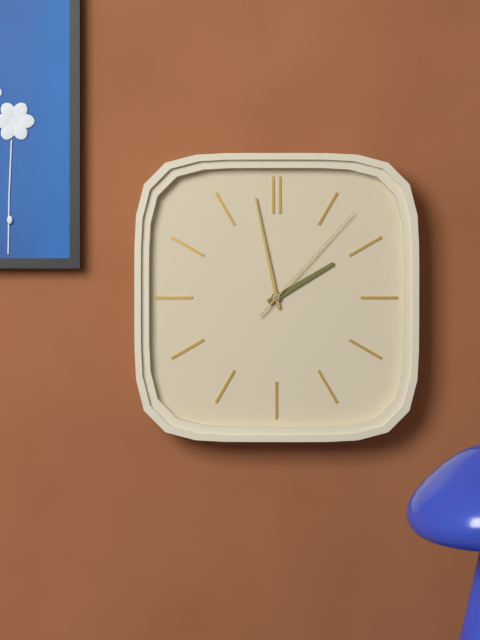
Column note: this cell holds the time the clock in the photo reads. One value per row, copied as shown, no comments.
1:58:07
